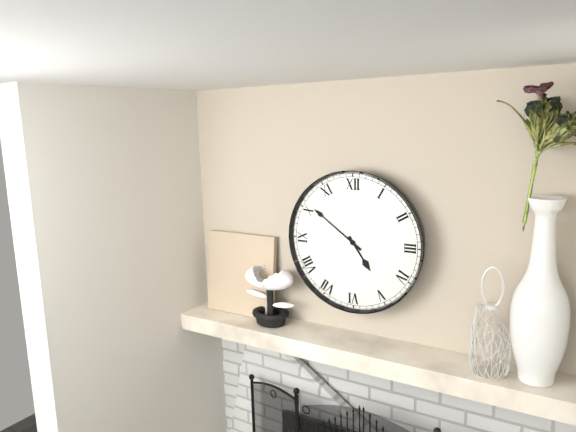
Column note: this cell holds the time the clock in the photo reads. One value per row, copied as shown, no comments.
4:51
